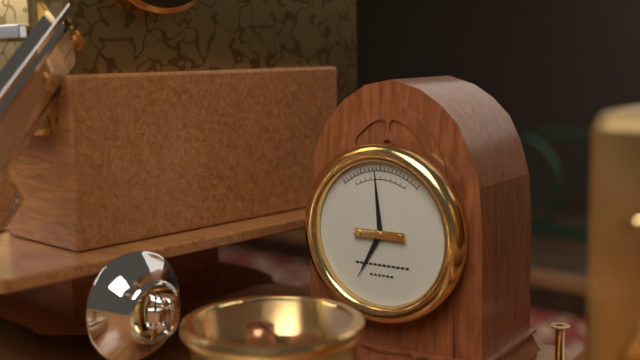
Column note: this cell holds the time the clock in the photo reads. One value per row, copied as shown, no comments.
6:59
